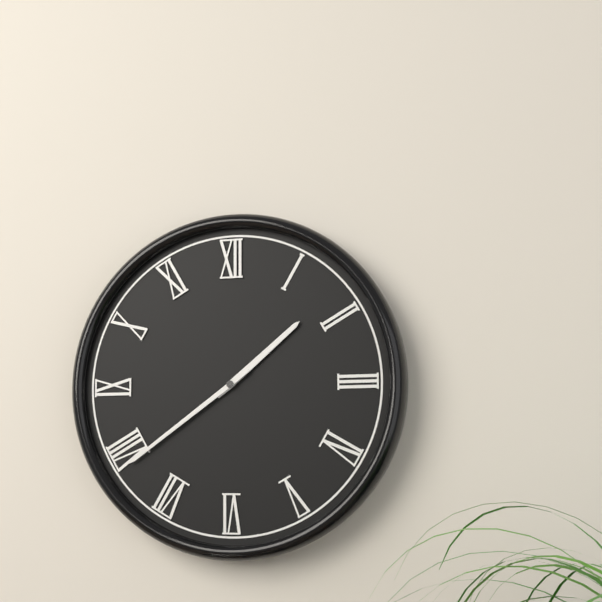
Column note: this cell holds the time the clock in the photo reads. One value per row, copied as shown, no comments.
1:39
